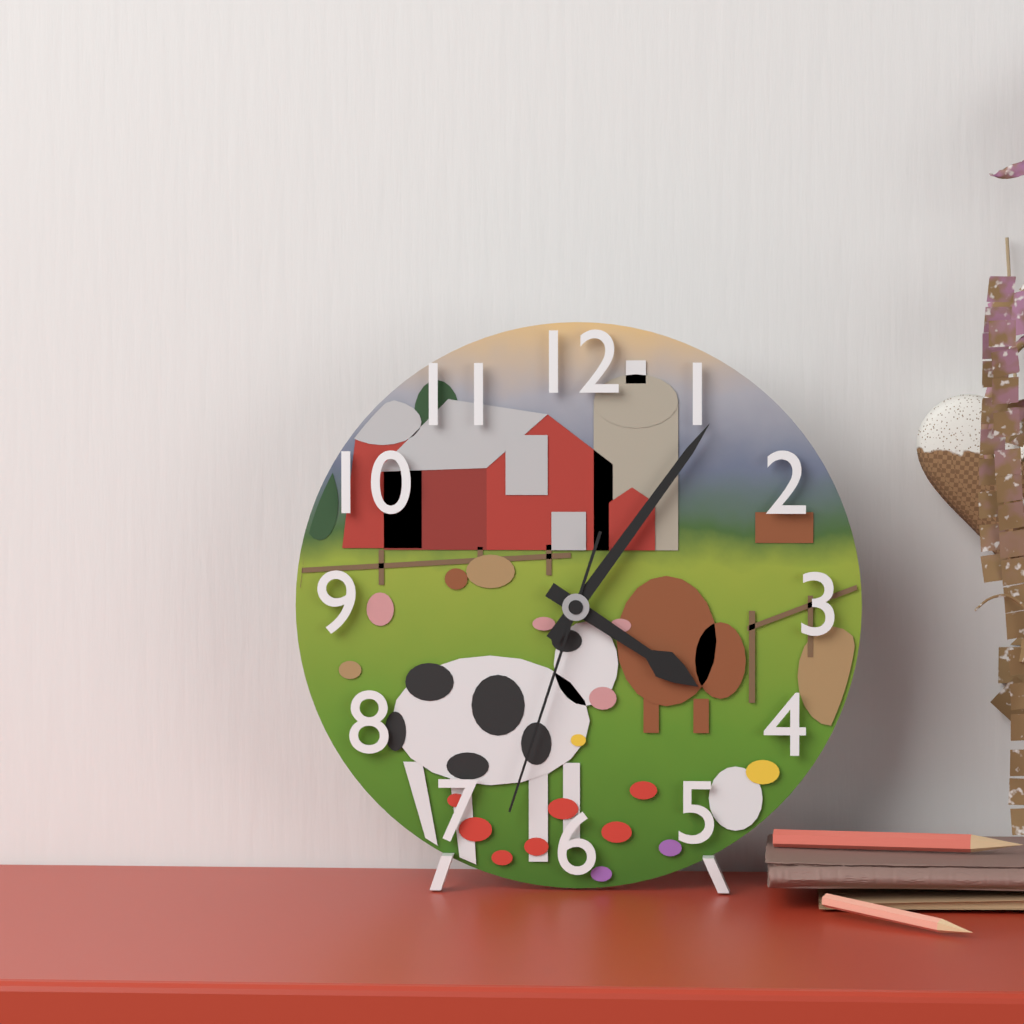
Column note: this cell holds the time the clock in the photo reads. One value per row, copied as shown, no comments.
4:06:33
